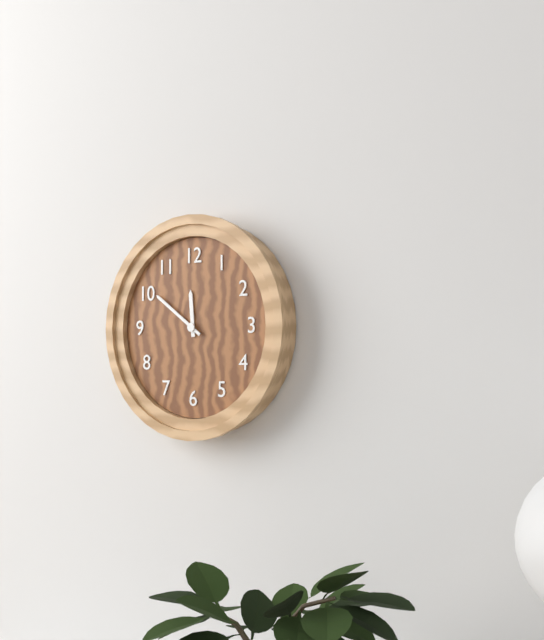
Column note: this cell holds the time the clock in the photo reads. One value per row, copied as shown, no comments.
11:51
